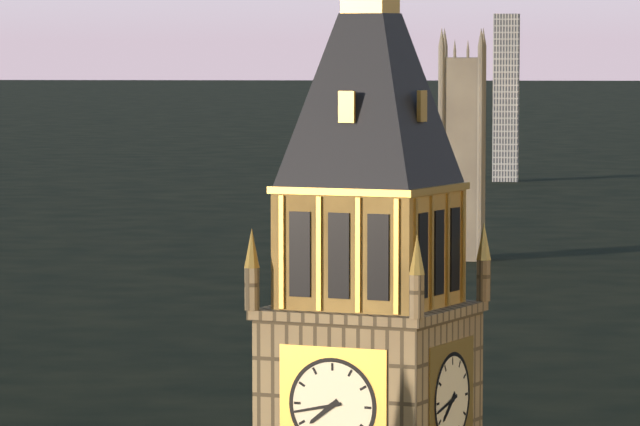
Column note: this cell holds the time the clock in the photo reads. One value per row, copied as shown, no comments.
7:43
